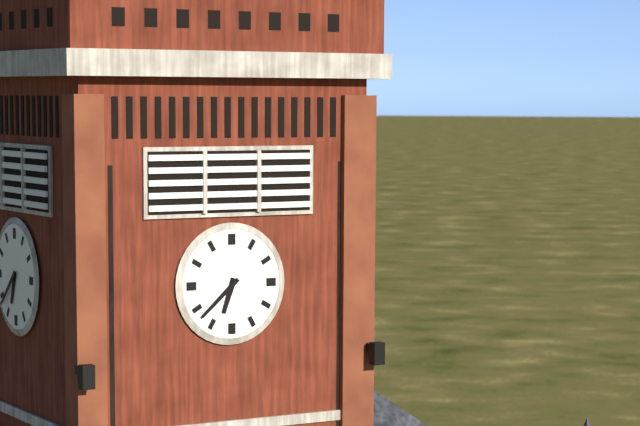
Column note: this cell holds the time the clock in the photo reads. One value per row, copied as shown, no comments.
6:38
